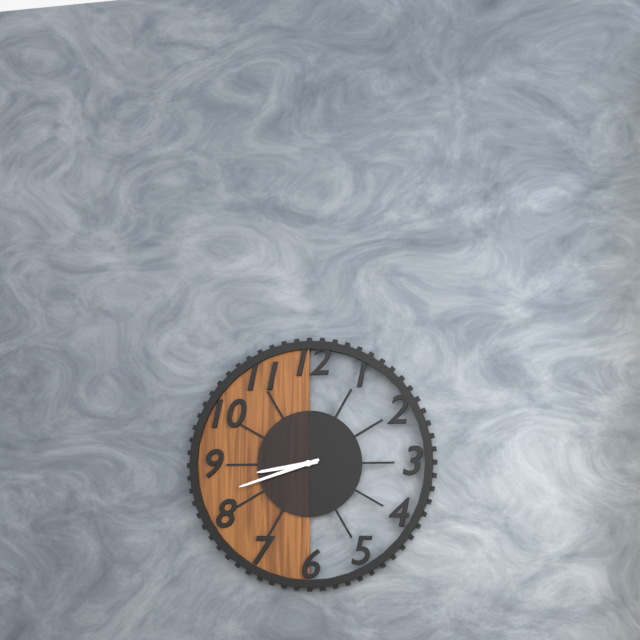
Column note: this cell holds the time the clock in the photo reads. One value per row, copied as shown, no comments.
8:42
